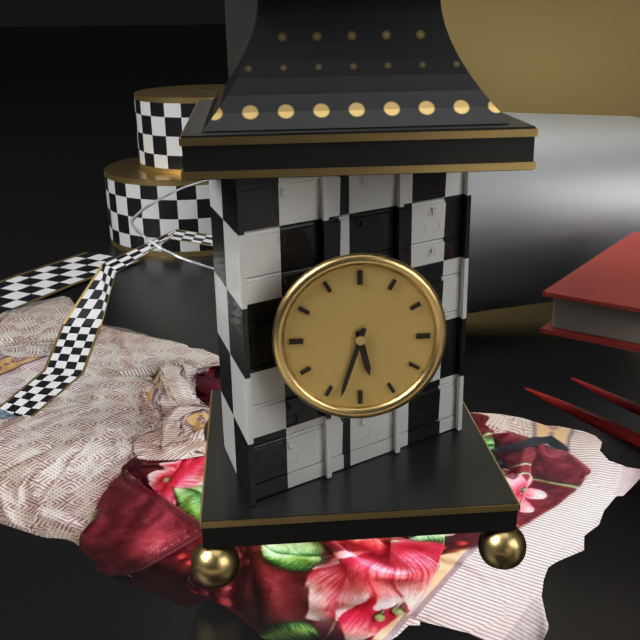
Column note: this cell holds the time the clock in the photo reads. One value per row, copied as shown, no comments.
5:33
